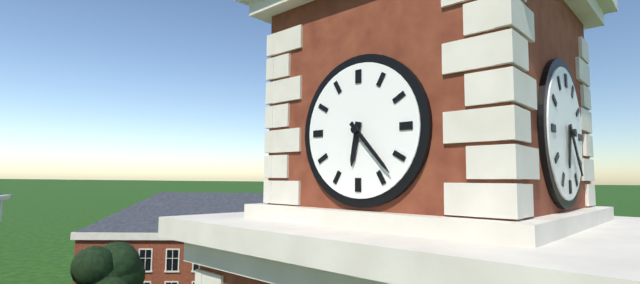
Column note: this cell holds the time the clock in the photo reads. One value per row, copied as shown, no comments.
6:23
